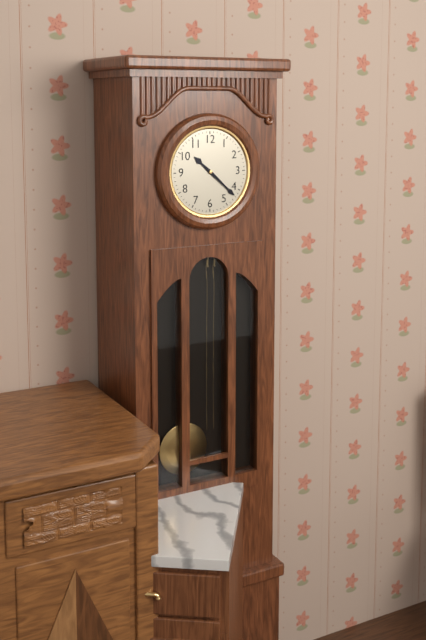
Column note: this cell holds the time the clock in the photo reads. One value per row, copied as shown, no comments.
10:22
